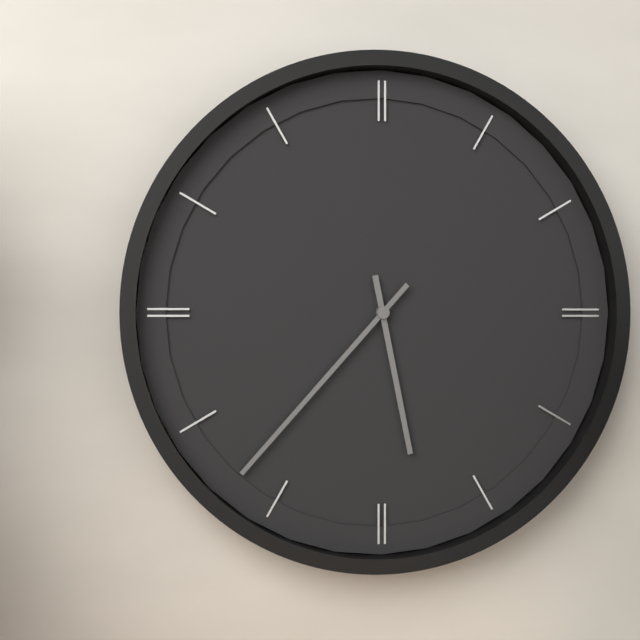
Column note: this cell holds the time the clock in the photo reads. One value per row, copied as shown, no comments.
5:37
